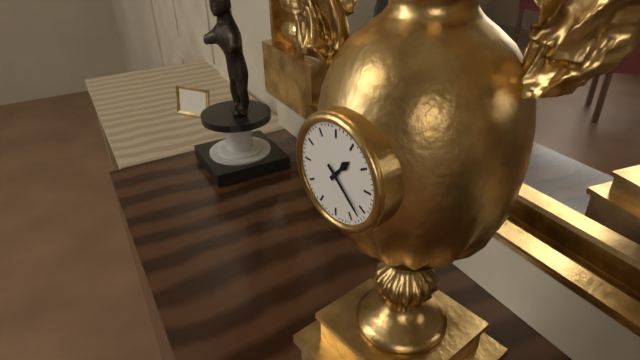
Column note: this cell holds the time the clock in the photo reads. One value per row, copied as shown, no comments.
1:22
